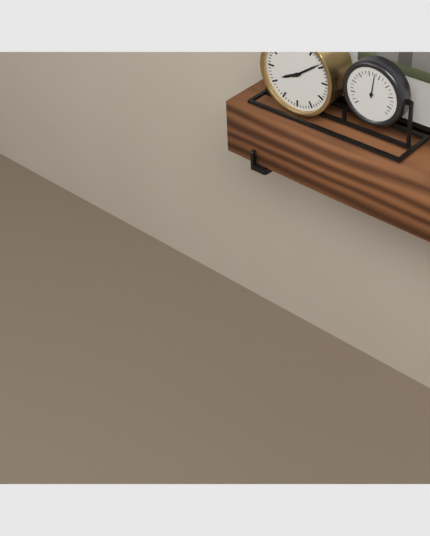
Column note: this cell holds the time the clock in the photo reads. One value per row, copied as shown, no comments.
8:09
